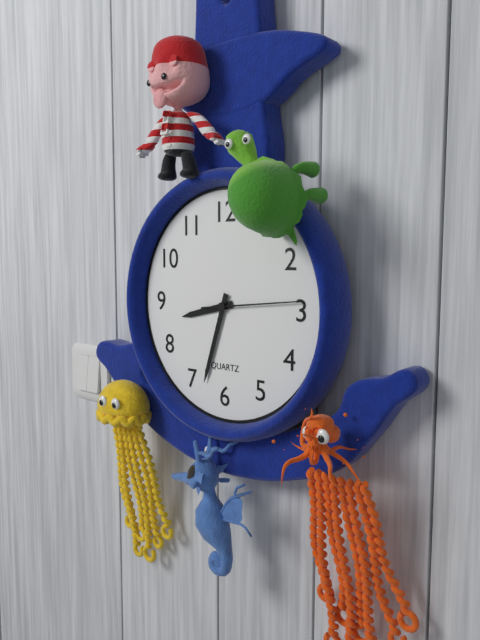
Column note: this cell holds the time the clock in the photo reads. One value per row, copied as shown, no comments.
8:33:14
